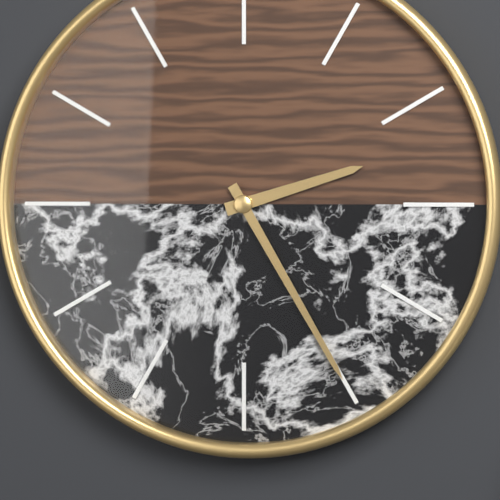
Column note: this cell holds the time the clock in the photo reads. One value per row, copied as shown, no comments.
2:25
